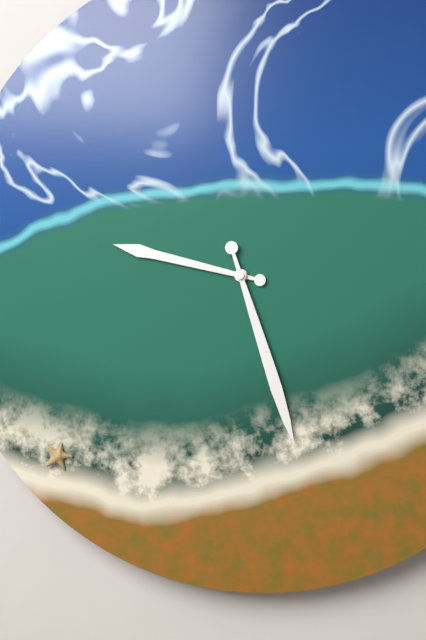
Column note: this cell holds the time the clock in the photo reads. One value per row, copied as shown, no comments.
9:27
